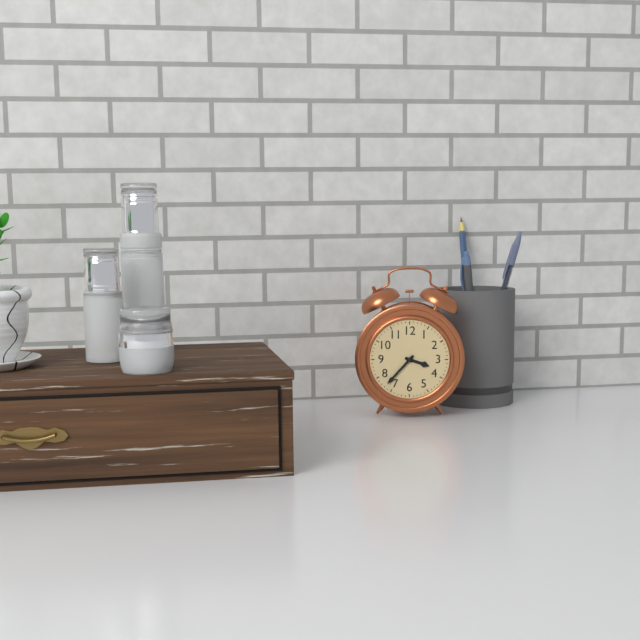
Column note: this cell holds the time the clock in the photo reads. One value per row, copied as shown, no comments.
3:37
